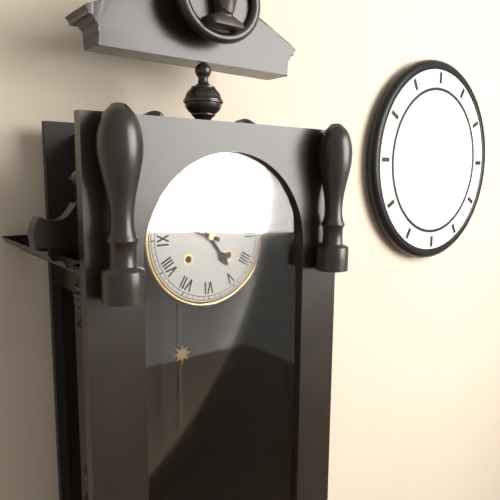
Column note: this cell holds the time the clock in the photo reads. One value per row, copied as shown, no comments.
4:48
